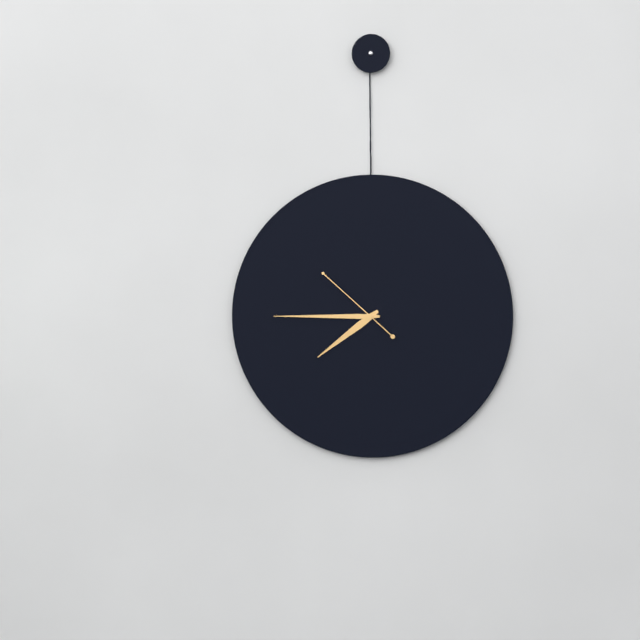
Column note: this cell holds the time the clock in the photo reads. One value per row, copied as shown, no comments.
7:45:52
